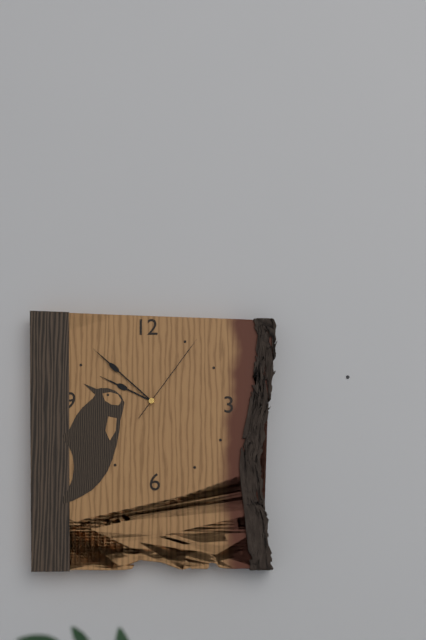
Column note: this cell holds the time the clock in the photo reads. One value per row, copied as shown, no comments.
9:52:06
